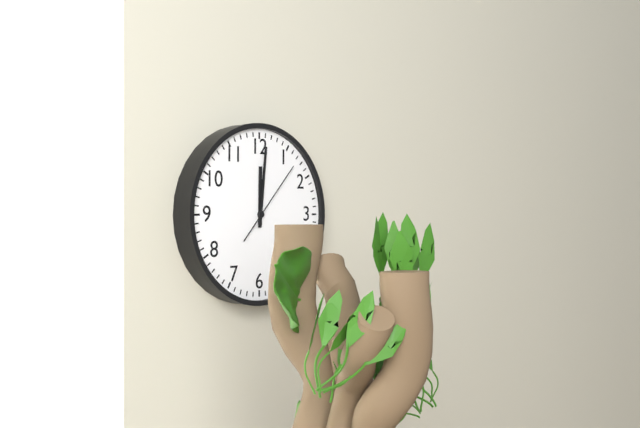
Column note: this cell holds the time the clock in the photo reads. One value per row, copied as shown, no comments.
12:01:07
